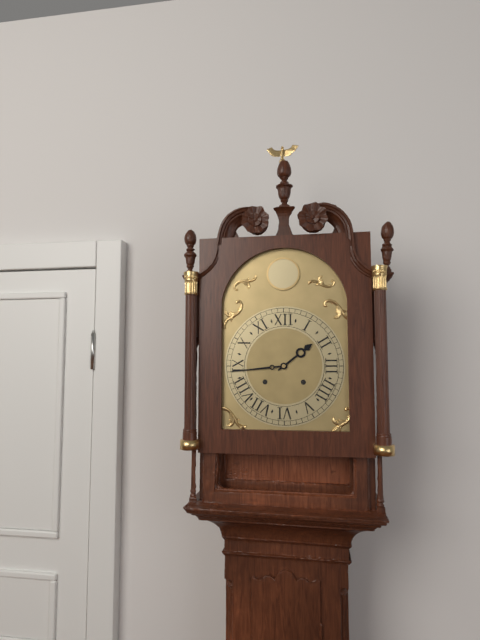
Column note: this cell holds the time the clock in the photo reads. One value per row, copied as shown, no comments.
1:44
